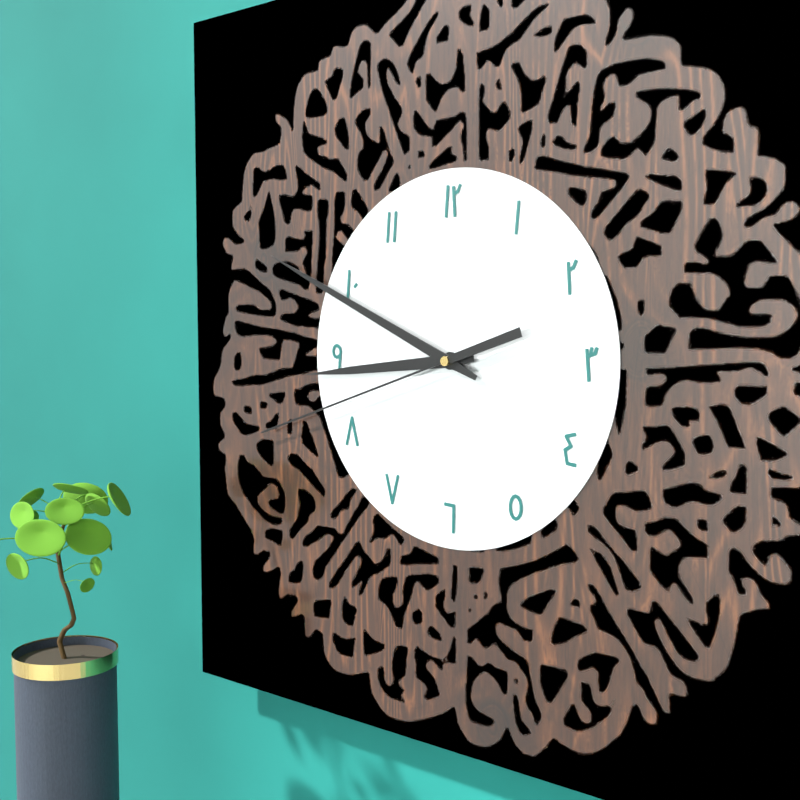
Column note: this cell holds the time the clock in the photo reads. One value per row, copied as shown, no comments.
8:49:42
